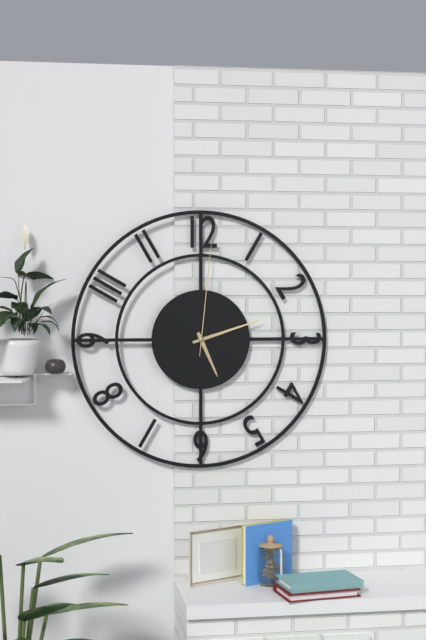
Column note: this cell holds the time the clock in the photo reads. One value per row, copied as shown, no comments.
5:12:01
